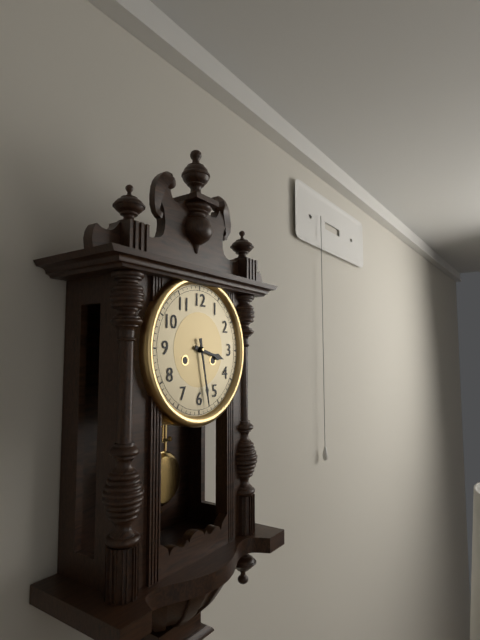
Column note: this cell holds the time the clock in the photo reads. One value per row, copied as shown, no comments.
3:28
